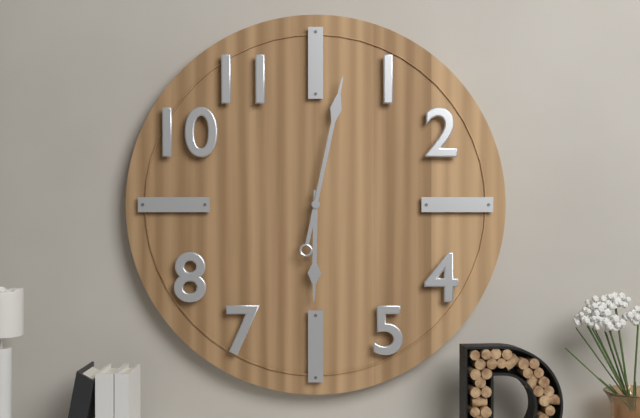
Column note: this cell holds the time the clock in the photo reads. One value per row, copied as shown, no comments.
6:02
